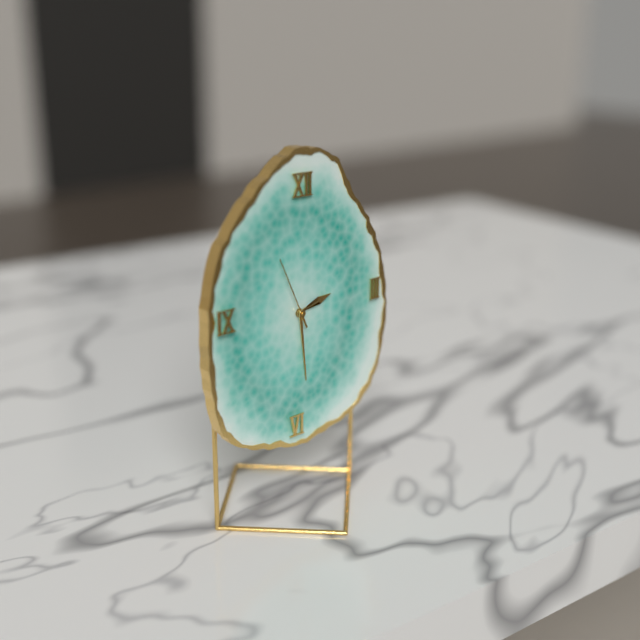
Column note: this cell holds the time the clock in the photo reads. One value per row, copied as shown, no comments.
2:29:56
